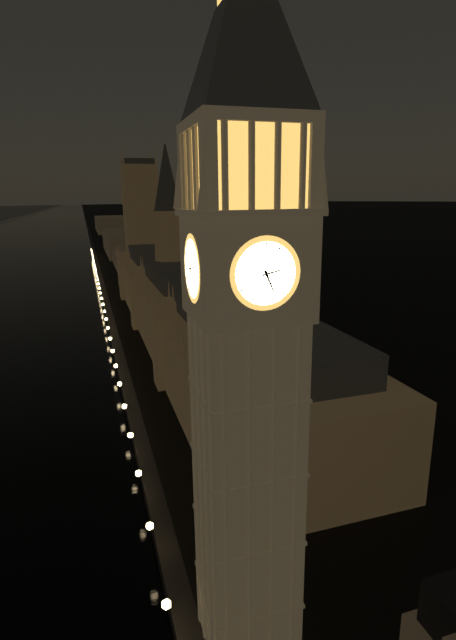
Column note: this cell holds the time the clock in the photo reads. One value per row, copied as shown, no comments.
5:13
